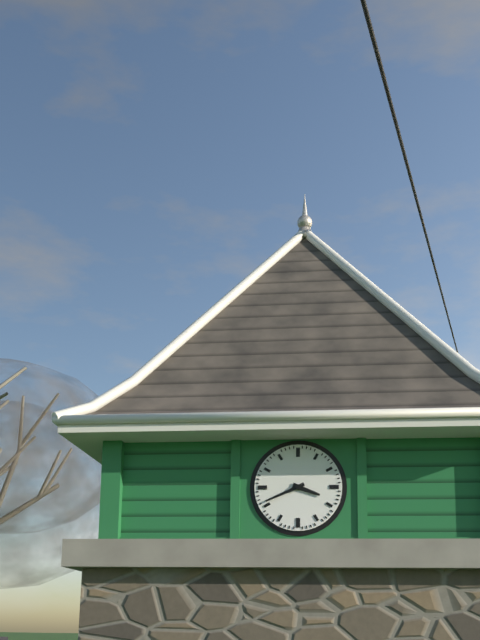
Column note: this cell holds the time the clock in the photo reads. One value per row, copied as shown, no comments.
3:41
